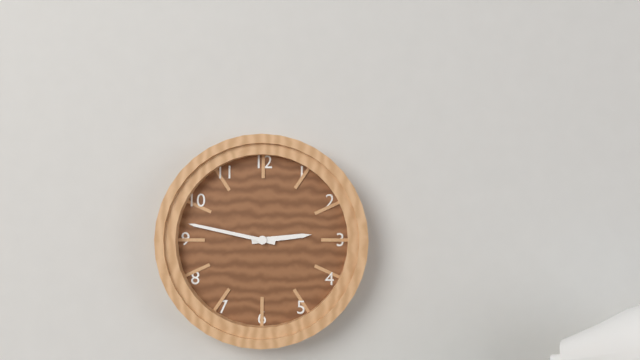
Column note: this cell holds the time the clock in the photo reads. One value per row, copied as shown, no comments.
2:47
